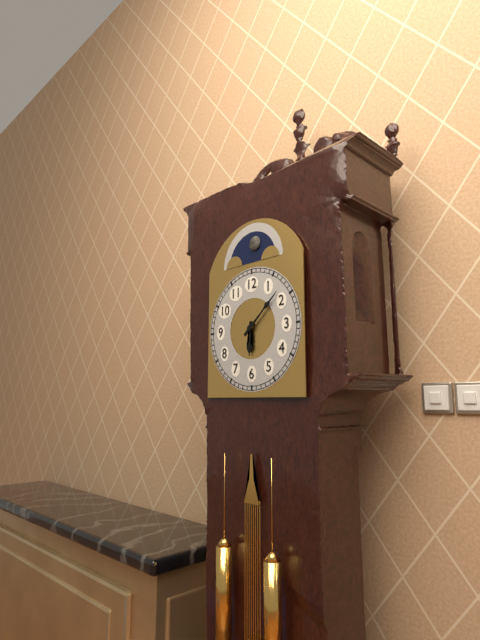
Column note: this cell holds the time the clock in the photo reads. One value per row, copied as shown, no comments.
6:08
